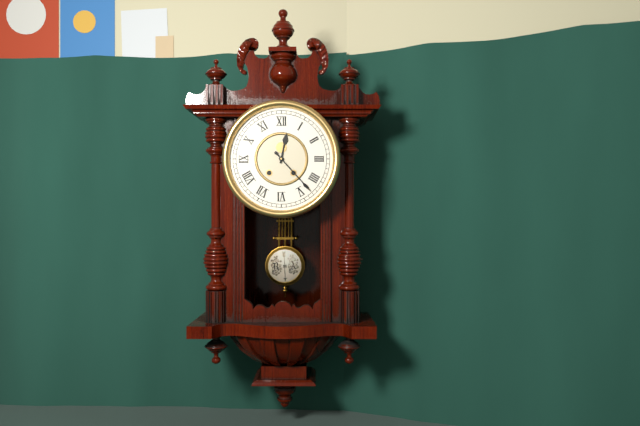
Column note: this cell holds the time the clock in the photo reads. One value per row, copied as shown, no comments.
12:23
